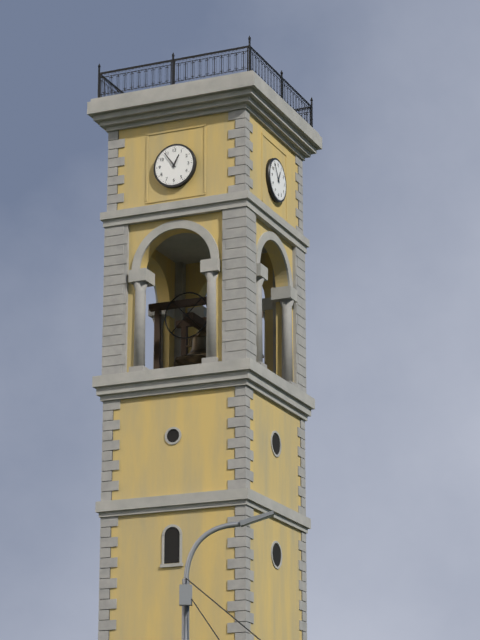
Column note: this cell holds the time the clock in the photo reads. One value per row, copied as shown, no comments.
12:54
